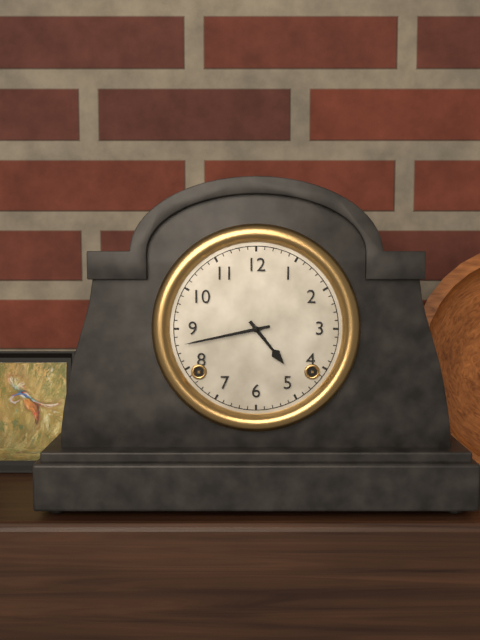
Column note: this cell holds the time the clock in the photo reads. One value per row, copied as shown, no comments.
4:43
